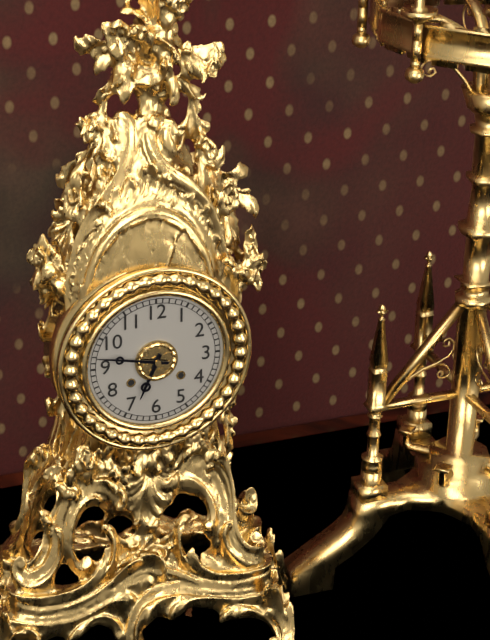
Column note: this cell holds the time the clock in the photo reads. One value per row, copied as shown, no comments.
6:47
